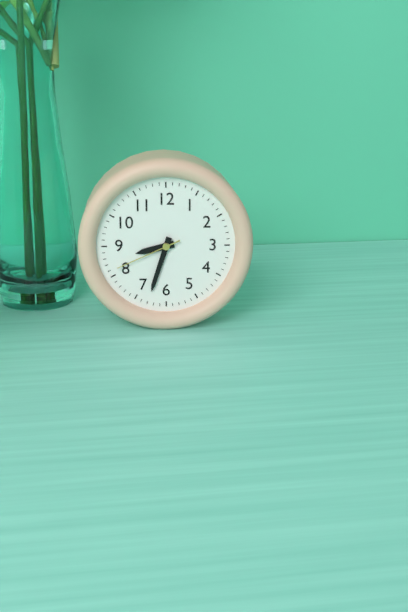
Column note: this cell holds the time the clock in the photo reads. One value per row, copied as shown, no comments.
8:33:41
